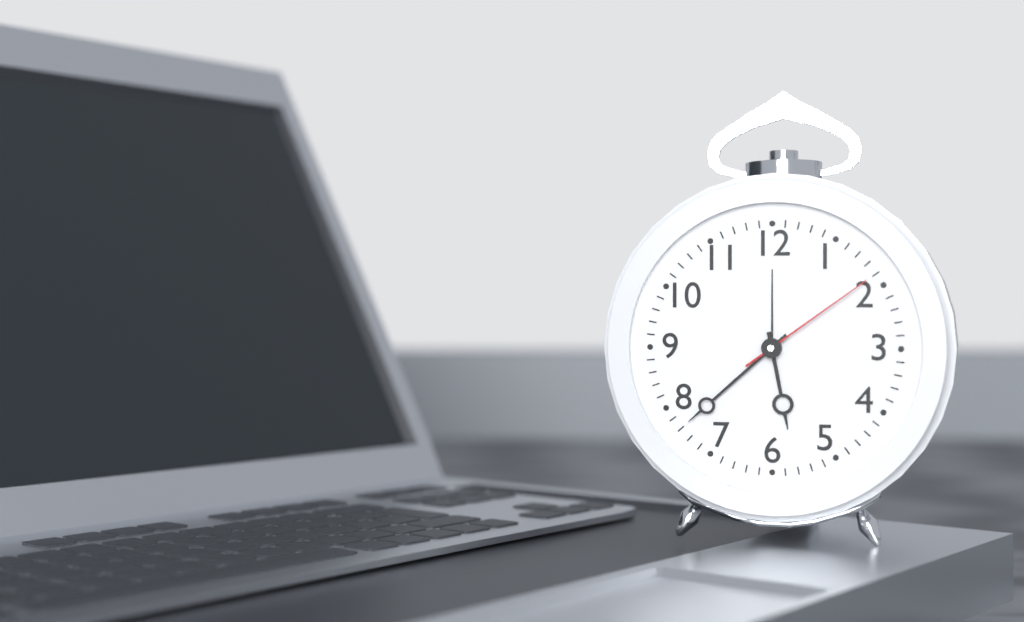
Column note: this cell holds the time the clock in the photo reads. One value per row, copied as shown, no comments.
5:38:09
